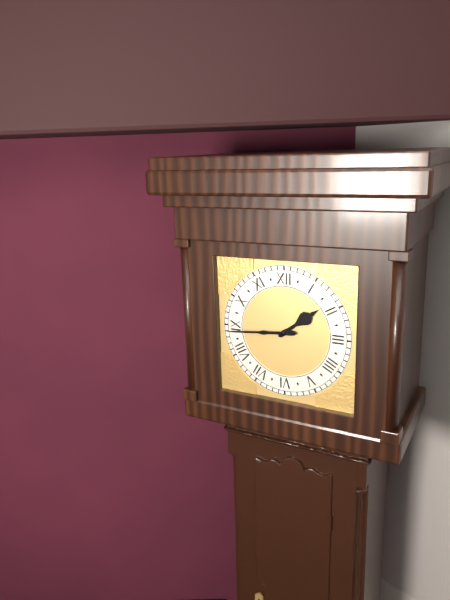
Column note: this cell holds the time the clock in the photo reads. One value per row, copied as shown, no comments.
1:44
